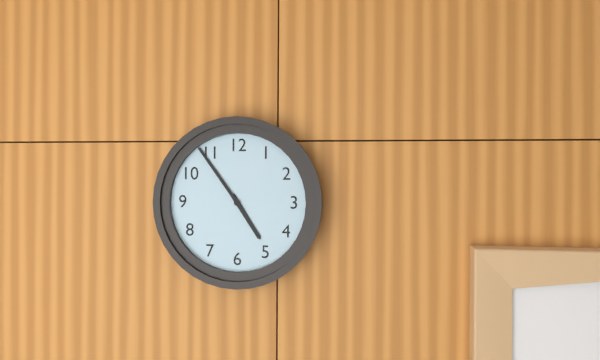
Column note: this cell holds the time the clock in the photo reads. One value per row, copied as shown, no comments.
4:54
